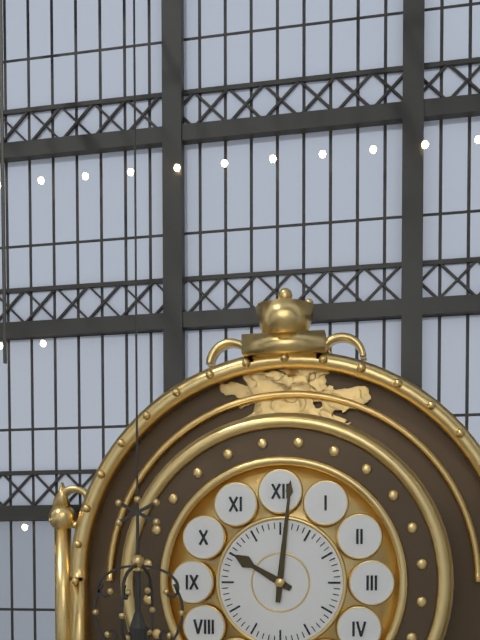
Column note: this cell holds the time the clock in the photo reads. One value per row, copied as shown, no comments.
10:01
